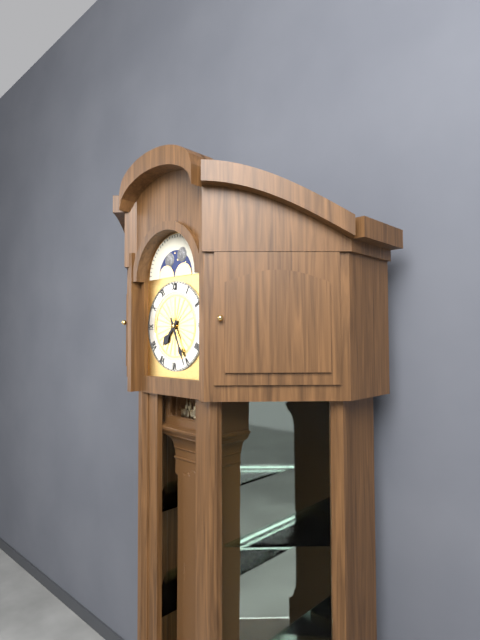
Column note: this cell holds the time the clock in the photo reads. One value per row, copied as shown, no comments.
7:26
